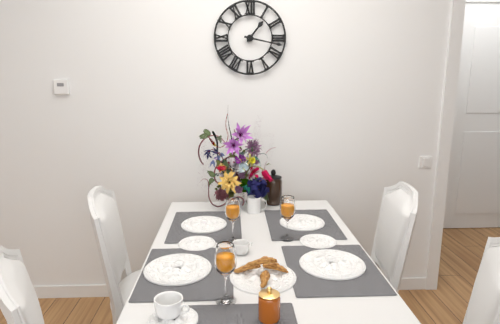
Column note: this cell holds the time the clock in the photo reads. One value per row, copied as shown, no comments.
1:17
